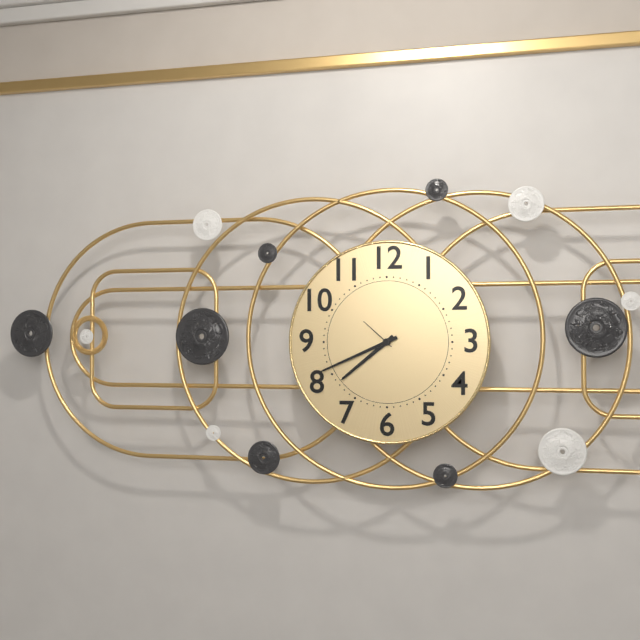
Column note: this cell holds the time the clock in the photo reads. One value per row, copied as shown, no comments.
7:41
